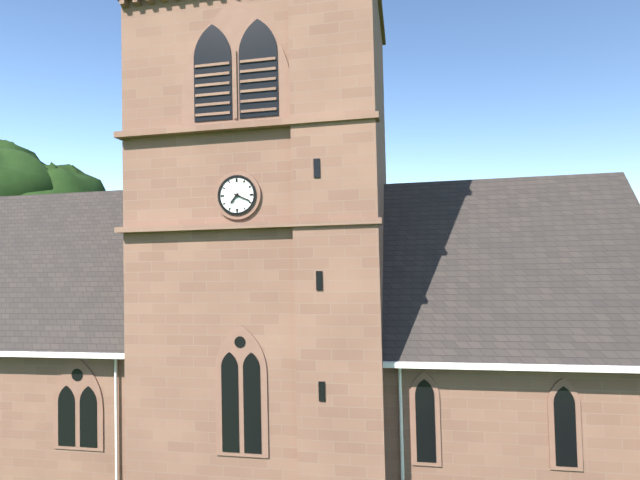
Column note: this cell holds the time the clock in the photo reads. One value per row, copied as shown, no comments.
7:19
